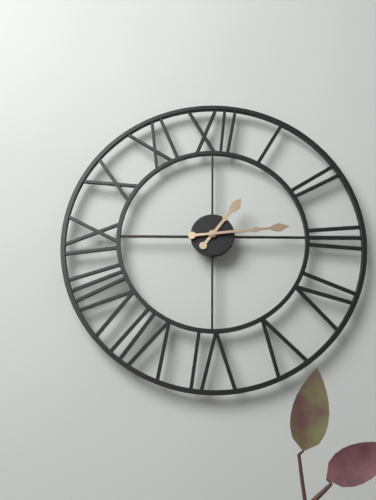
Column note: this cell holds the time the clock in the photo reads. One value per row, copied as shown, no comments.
1:14
